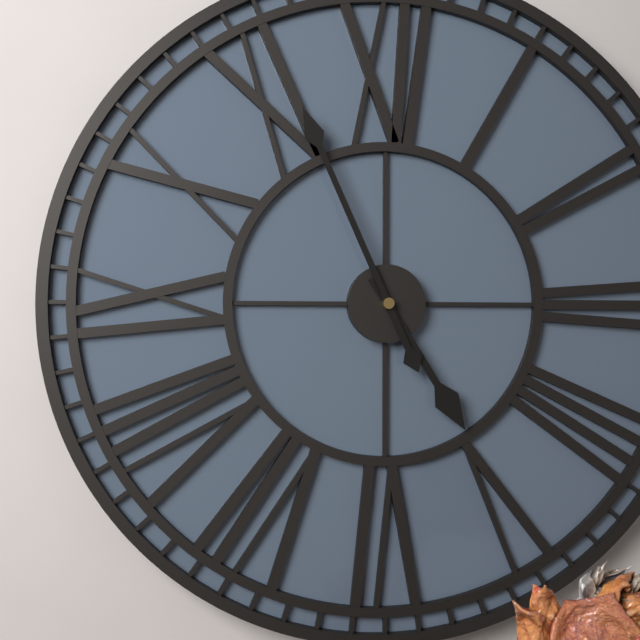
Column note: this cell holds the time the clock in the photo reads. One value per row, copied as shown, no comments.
4:56
